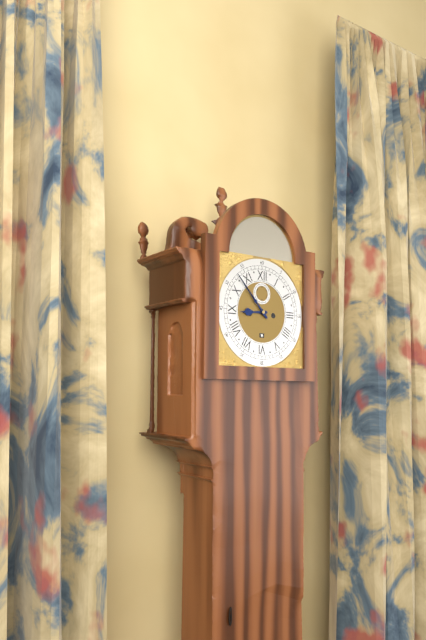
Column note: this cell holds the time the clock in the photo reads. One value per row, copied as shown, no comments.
8:53
